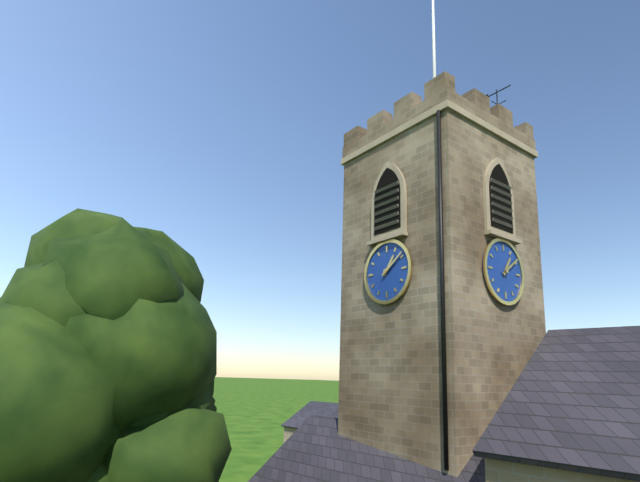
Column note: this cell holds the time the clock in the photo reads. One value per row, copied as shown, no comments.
1:09
